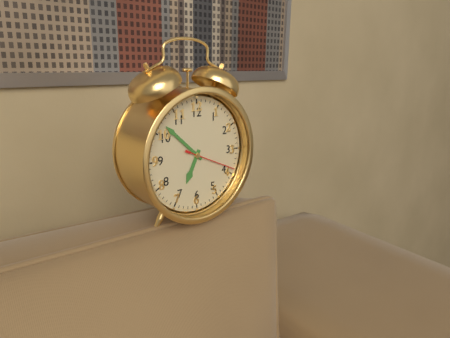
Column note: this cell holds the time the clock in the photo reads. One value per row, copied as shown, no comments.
6:52:19
